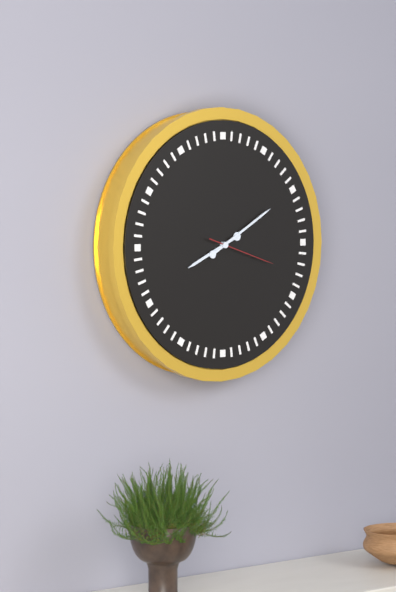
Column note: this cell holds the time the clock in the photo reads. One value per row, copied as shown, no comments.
8:10:18
